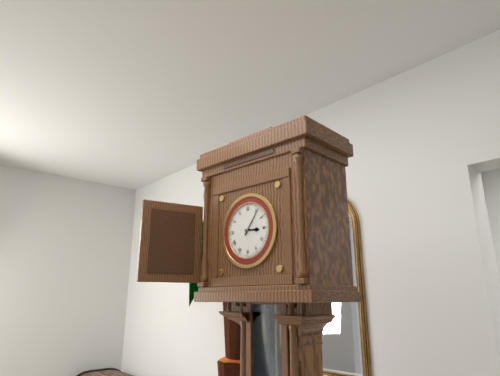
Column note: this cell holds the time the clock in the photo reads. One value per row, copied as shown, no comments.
3:06
